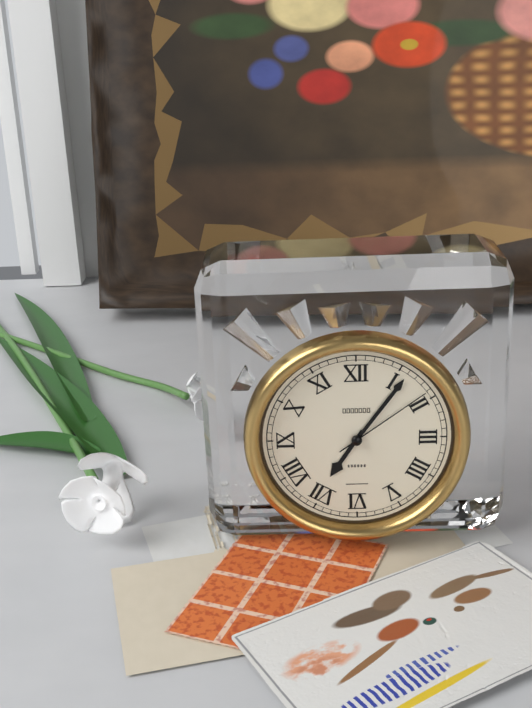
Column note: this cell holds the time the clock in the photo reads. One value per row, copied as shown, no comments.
7:06:09
